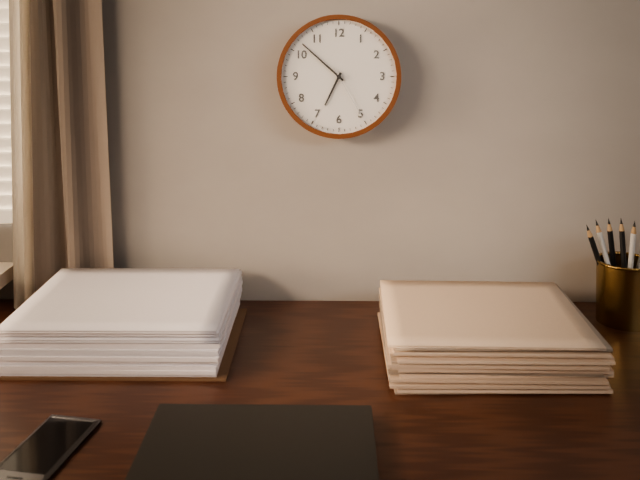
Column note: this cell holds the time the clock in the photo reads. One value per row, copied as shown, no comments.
6:52:25
